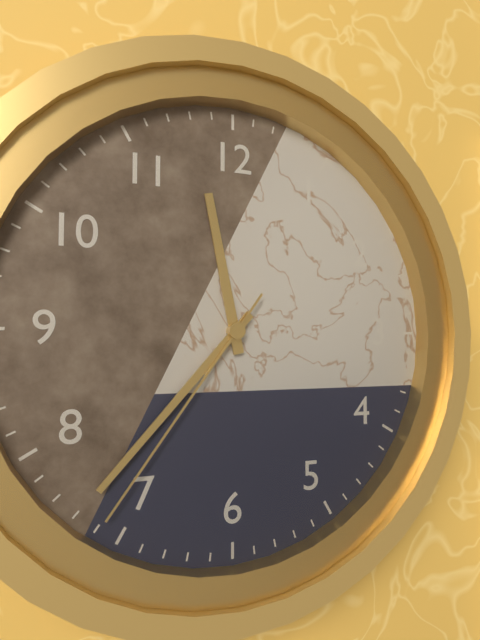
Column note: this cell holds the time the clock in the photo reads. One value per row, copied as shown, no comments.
11:37:36
